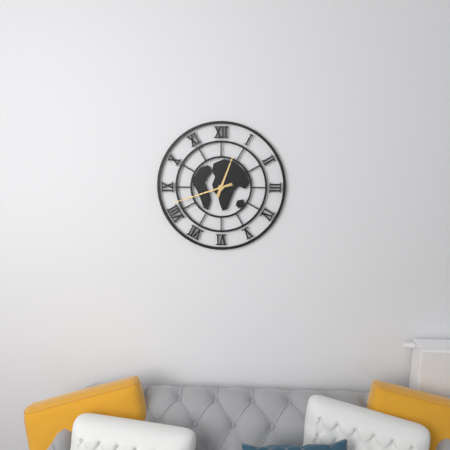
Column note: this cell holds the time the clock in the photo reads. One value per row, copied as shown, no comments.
12:42
